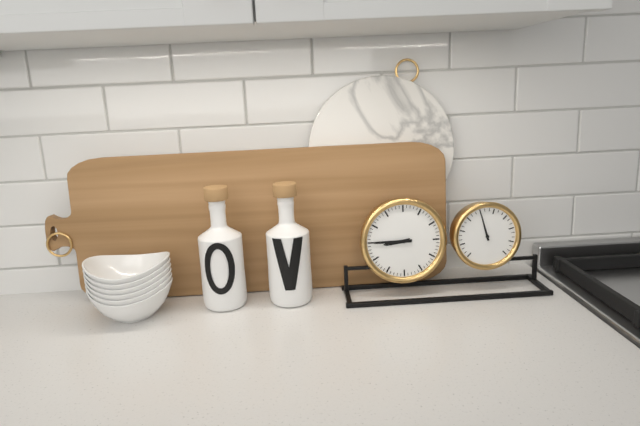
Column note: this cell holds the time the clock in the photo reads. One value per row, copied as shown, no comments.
8:45
